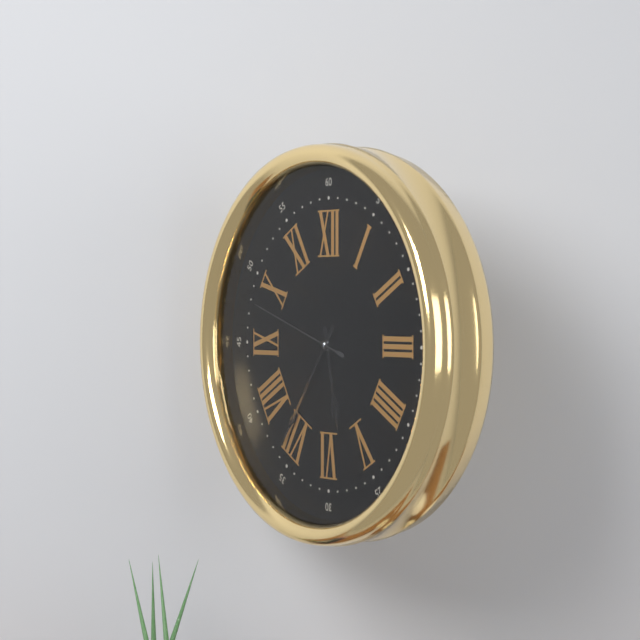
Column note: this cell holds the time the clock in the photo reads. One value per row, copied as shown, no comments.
5:36:48
